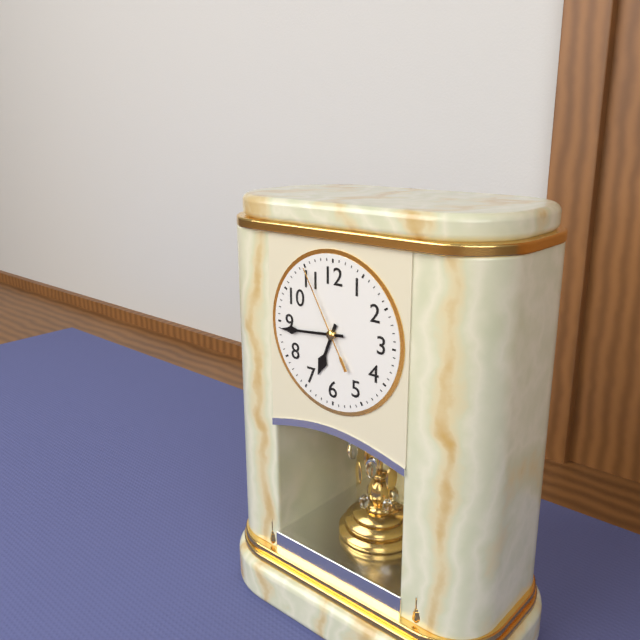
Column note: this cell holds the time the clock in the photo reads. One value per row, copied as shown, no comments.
6:44:55
